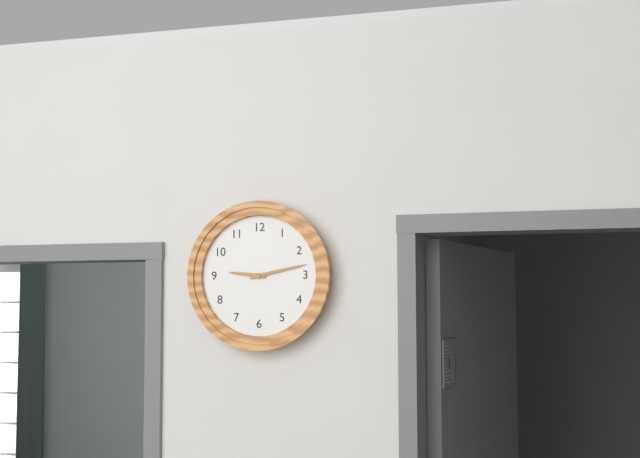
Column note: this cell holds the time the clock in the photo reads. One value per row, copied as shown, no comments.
9:13
